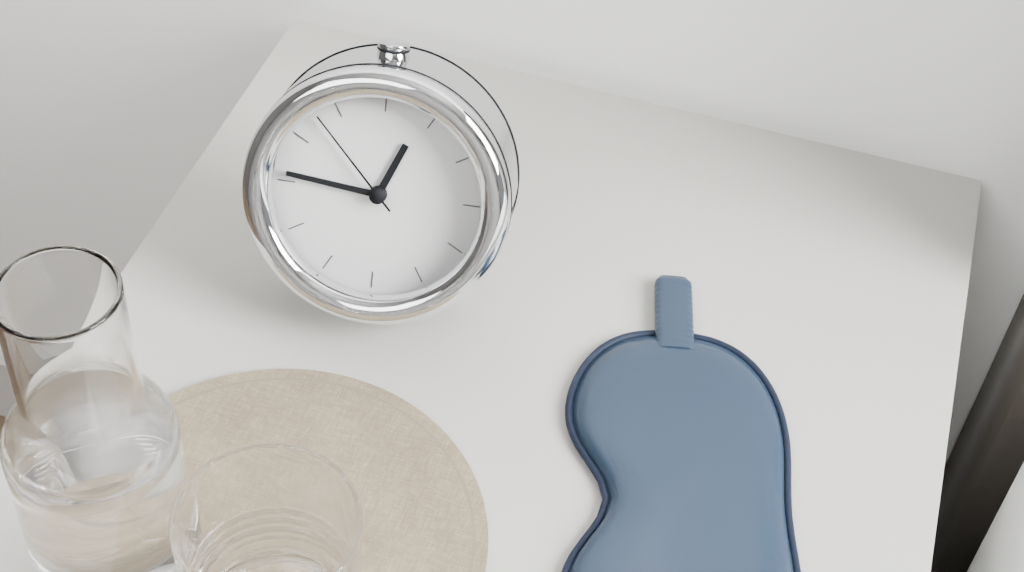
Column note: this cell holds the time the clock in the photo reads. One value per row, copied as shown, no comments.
12:46:53
